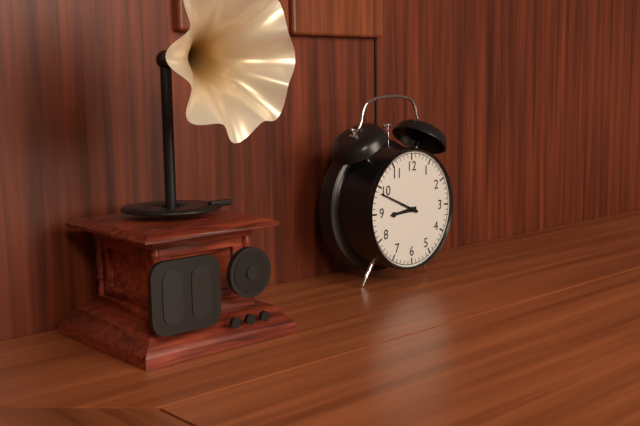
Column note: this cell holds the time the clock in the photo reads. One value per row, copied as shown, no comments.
8:49
